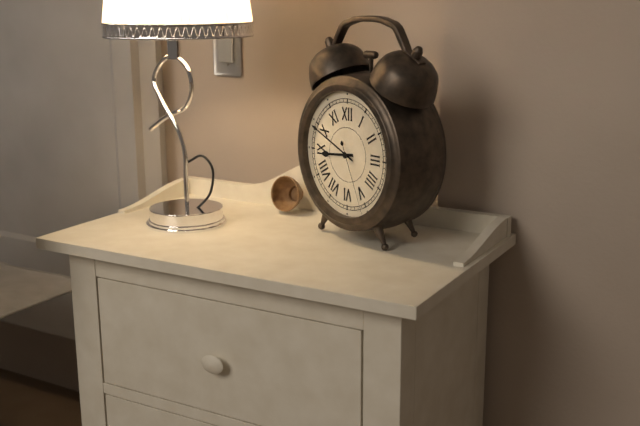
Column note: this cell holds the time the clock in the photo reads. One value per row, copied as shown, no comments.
8:49:26
